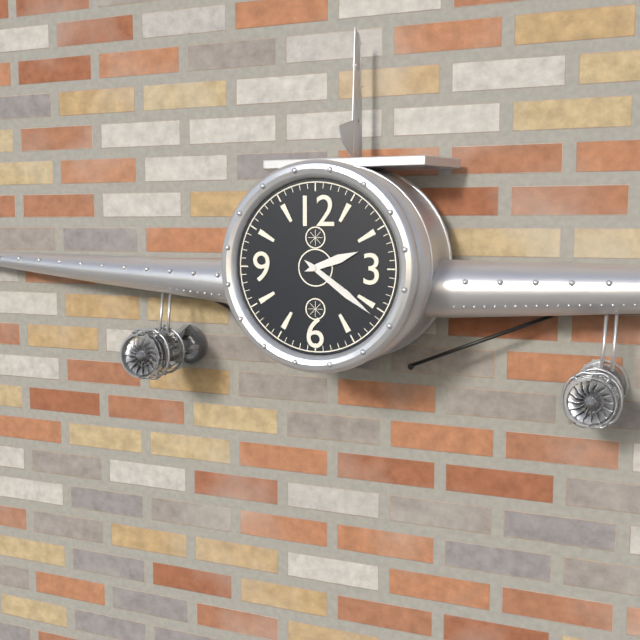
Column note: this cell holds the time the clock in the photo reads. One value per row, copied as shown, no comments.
2:21
